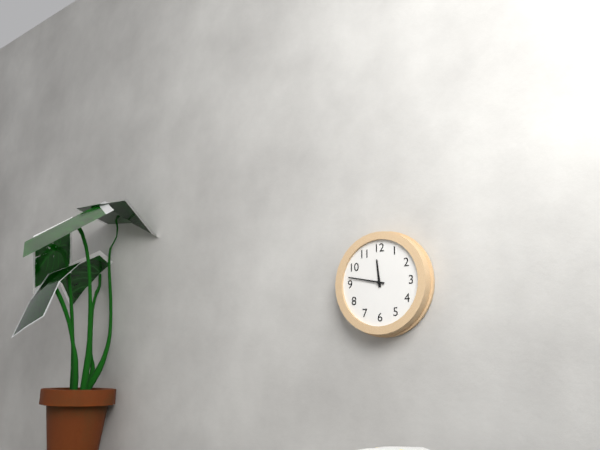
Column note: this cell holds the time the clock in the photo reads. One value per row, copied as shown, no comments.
11:47
